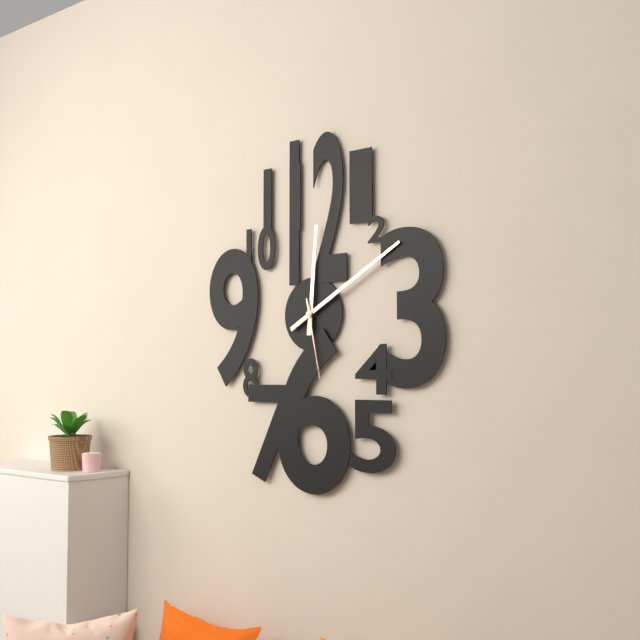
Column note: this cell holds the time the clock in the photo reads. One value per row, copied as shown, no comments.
12:10:28
